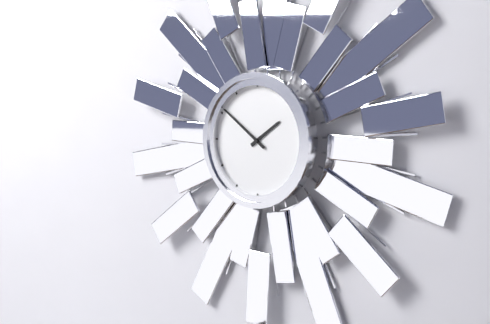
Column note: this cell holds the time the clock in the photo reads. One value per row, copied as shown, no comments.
1:51
